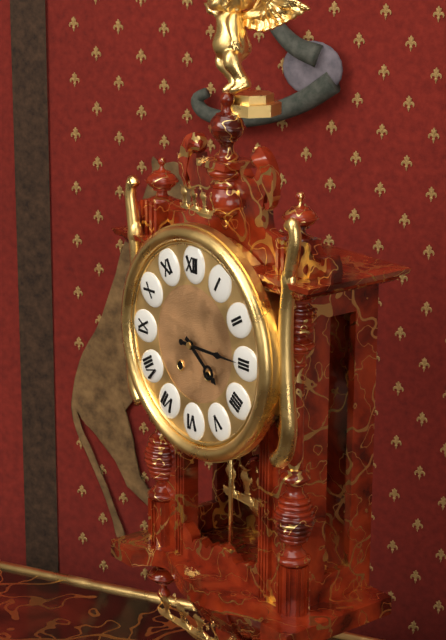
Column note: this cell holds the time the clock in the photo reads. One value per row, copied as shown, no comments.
4:15
